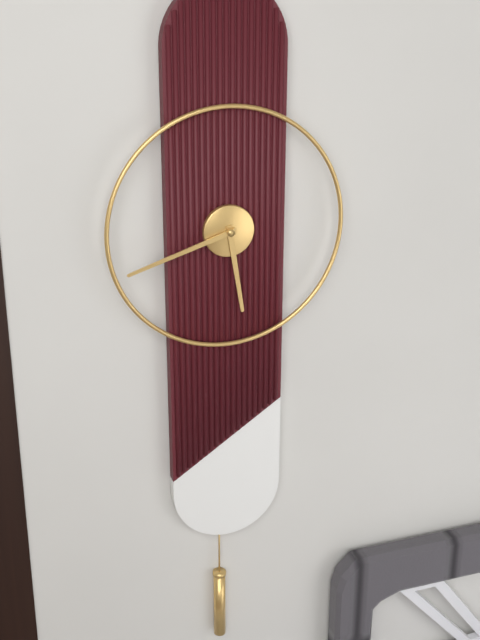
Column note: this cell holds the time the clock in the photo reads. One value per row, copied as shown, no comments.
5:42
